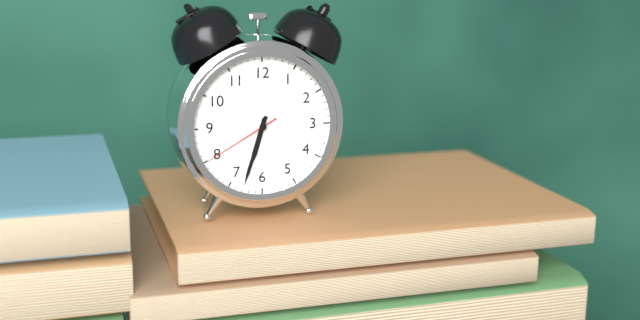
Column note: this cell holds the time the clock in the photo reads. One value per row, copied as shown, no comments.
6:33:40
